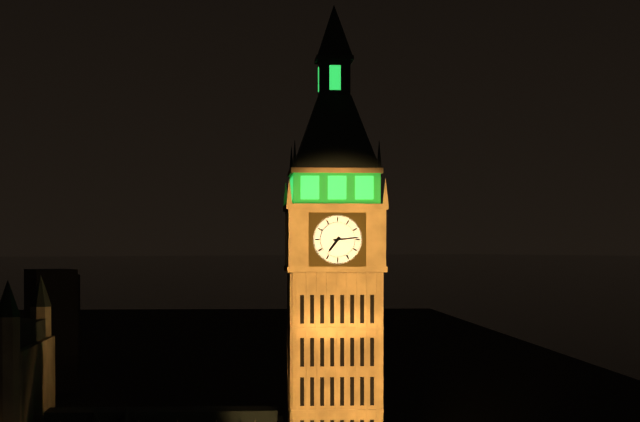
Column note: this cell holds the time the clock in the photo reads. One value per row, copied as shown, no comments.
7:14
